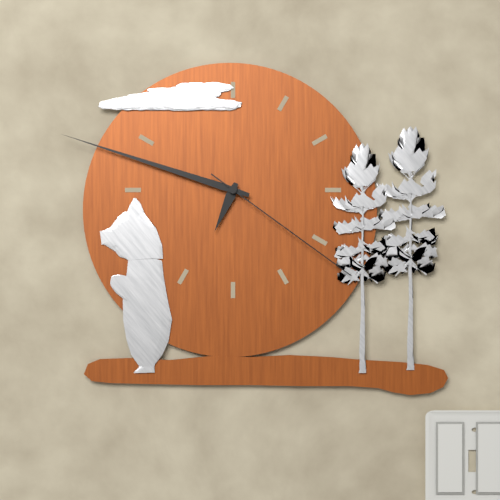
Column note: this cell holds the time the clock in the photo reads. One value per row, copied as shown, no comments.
6:48:21
